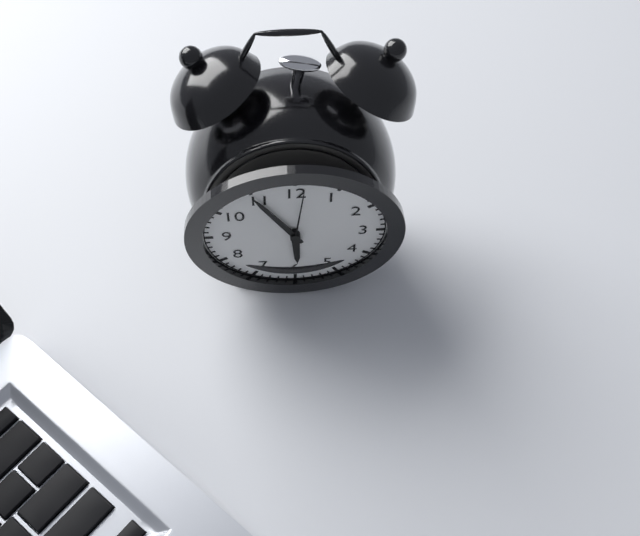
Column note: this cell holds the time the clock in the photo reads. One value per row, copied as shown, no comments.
5:55:01
